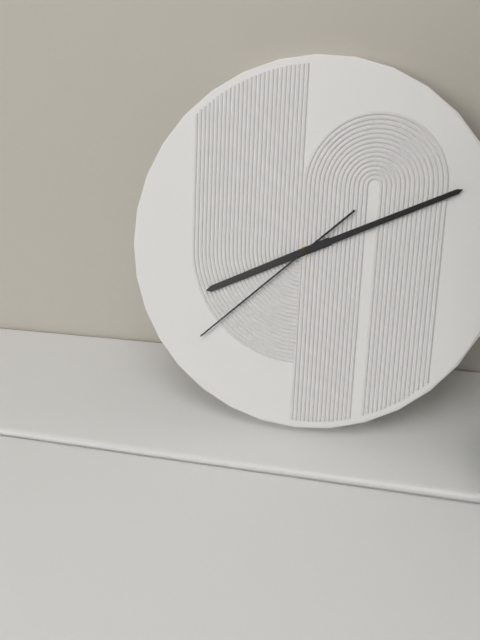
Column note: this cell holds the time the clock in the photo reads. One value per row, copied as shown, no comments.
8:11:38
